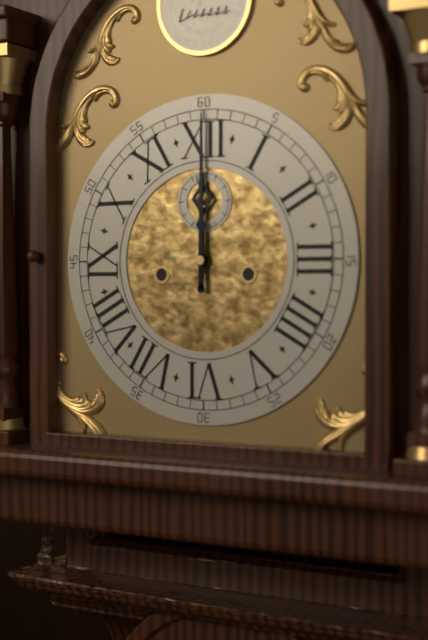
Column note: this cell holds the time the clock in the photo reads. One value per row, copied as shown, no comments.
12:00:57
